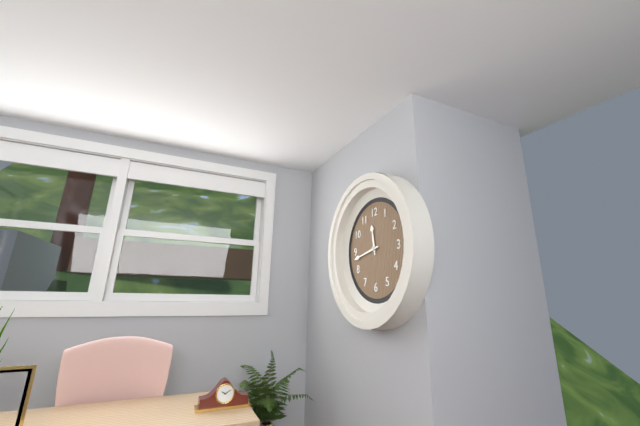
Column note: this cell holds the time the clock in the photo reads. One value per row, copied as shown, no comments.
11:43
